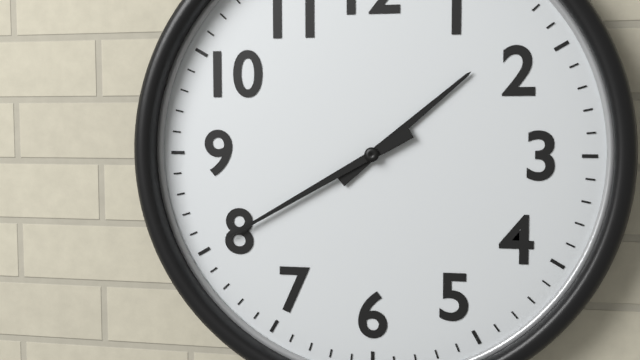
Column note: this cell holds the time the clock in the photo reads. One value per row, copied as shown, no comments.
1:40
